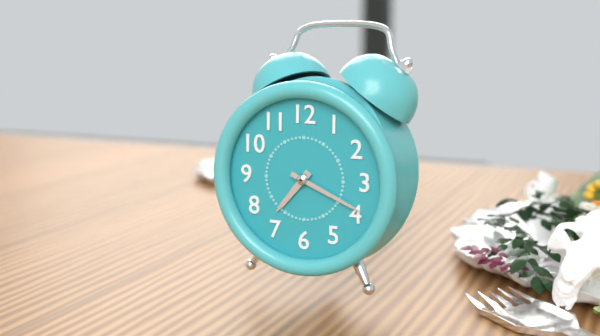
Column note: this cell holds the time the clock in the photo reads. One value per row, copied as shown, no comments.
7:19
